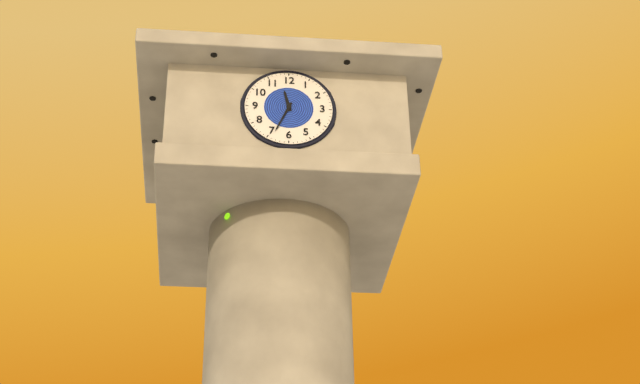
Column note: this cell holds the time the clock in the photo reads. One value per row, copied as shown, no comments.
11:34
